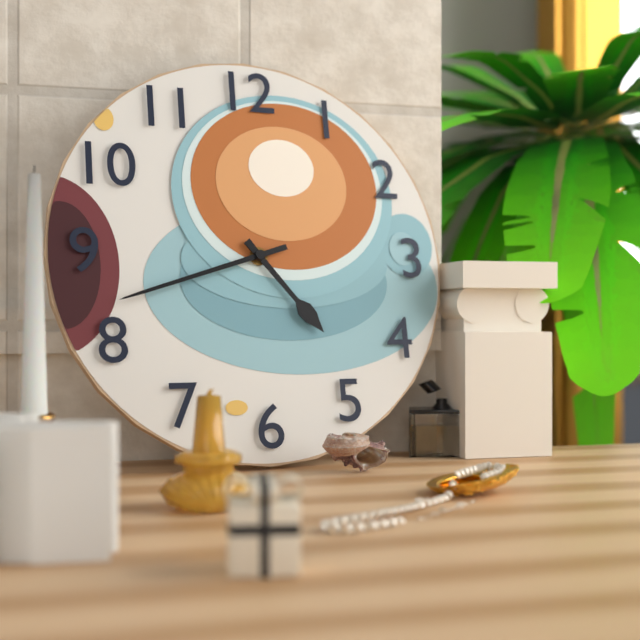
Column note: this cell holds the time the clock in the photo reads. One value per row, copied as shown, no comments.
4:42
